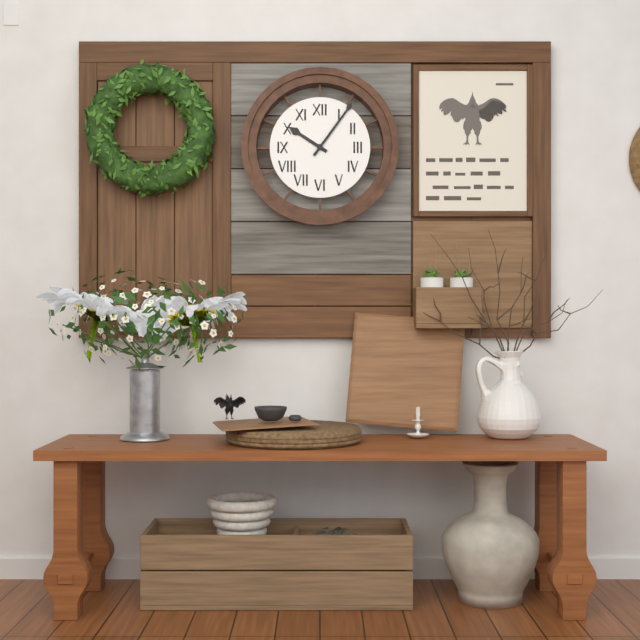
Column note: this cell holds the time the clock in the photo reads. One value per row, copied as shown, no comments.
10:06
